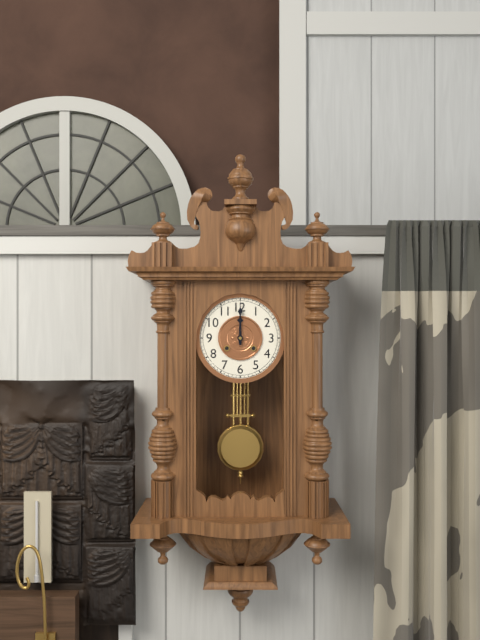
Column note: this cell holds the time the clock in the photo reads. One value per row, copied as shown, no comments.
12:00
